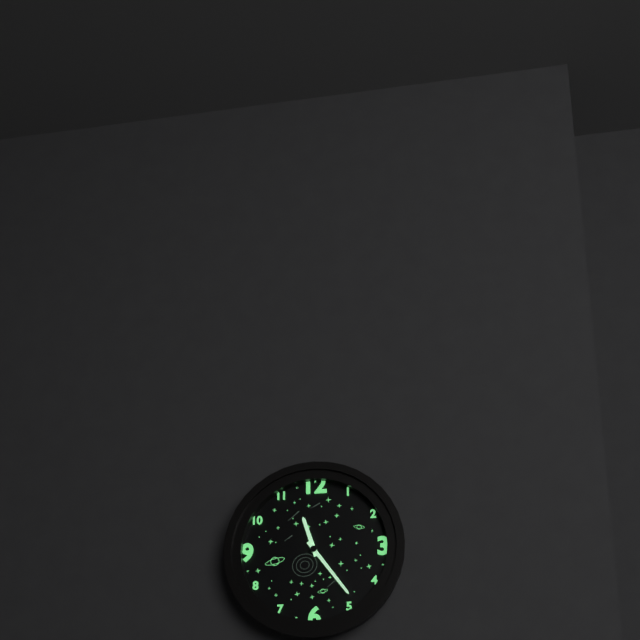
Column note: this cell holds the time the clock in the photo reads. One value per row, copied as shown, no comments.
11:24
